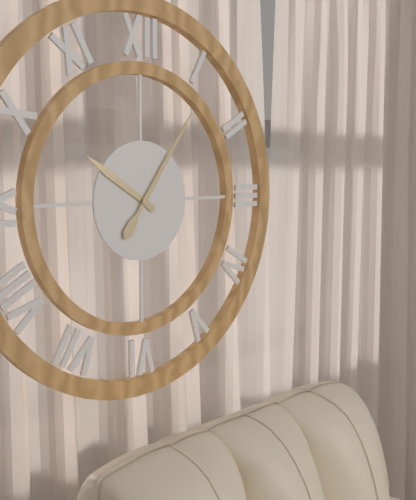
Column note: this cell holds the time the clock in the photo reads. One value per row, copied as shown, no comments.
10:06
